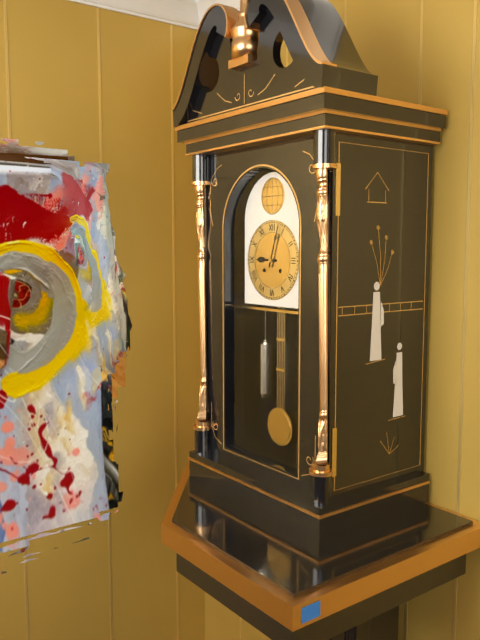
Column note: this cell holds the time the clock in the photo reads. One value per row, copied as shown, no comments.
9:03
